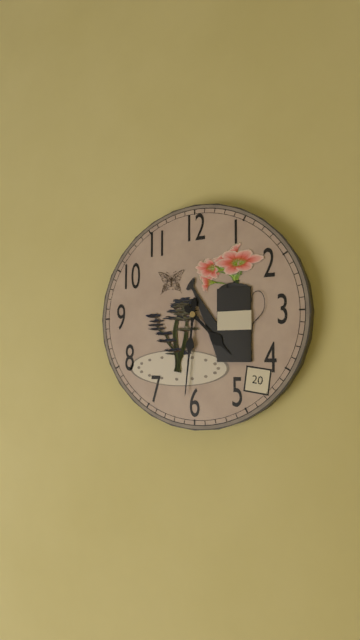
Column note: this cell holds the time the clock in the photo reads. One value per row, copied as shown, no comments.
4:31
